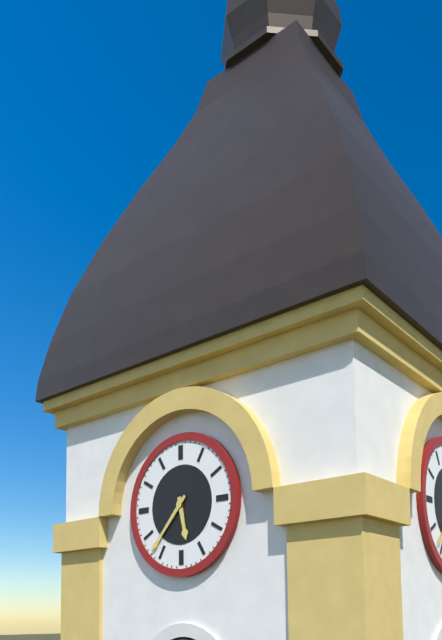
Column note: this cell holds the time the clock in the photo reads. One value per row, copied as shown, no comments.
5:37
